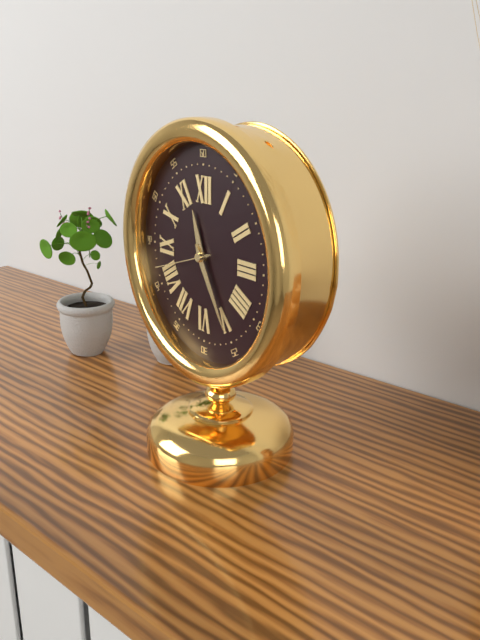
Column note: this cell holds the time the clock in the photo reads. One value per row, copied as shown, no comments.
11:25:42
